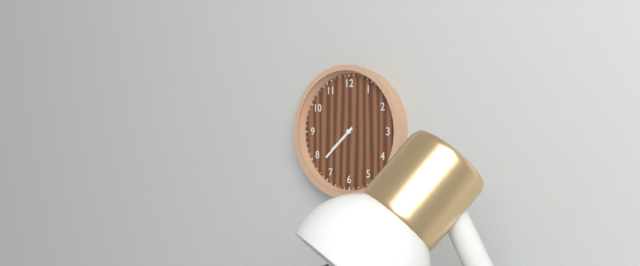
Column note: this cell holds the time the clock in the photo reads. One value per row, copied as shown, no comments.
7:38
